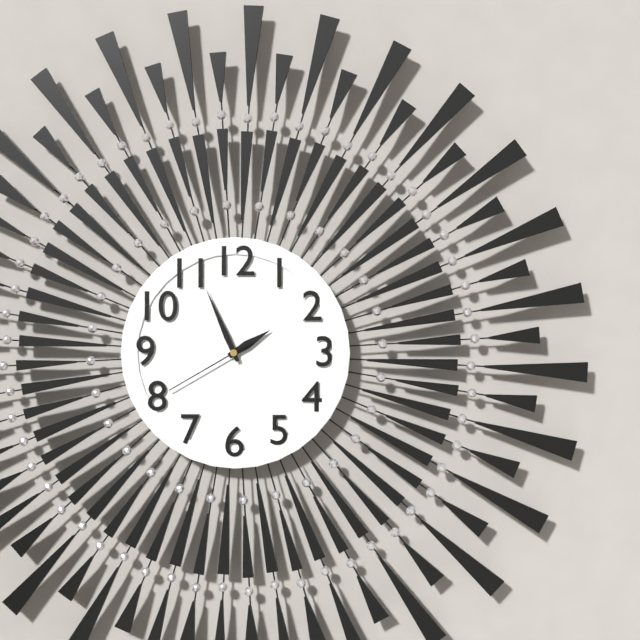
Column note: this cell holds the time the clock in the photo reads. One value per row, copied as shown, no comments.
1:56:40
